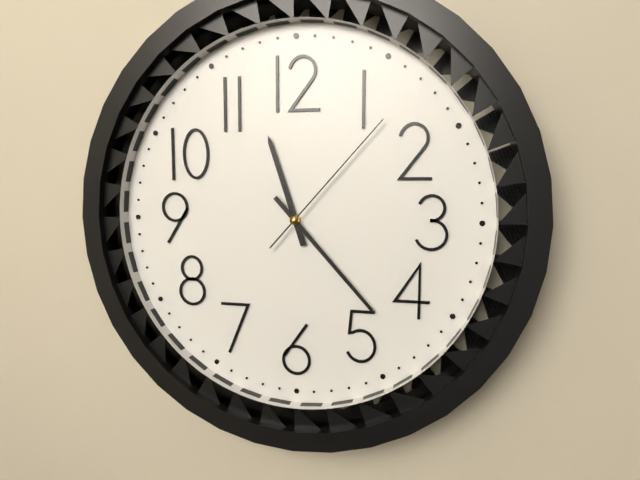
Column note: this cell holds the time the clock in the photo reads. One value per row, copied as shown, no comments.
11:23:07
